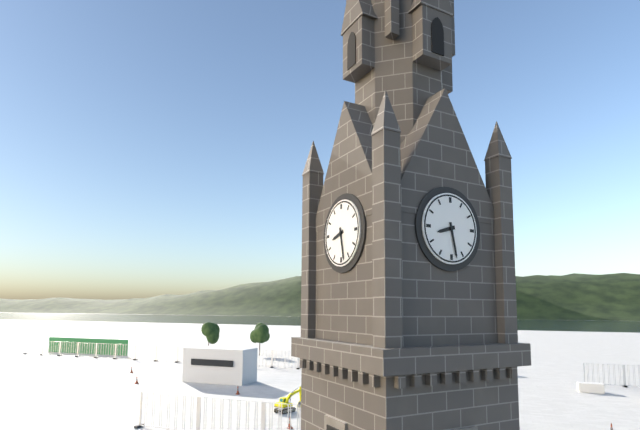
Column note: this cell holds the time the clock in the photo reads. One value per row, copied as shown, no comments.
8:28
